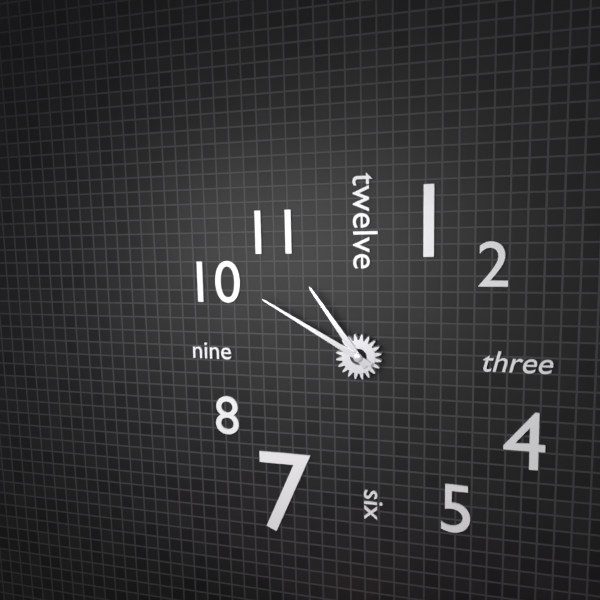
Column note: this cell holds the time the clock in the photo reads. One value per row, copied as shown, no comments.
10:50
